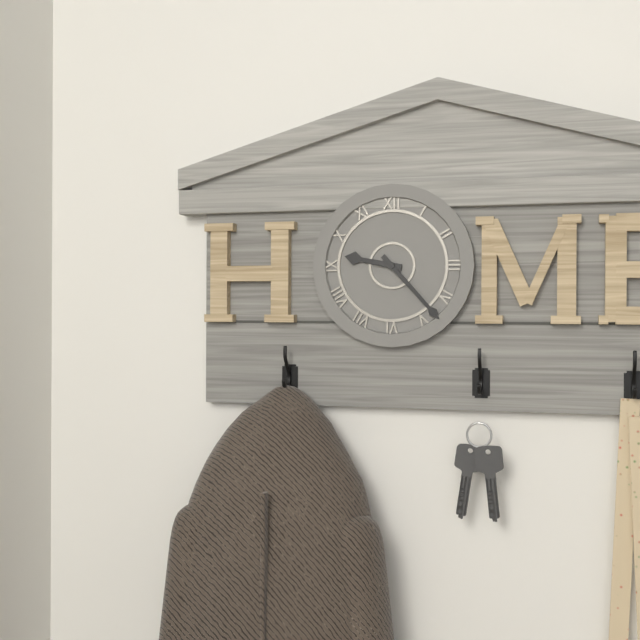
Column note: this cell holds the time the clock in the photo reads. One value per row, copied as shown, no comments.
9:23
